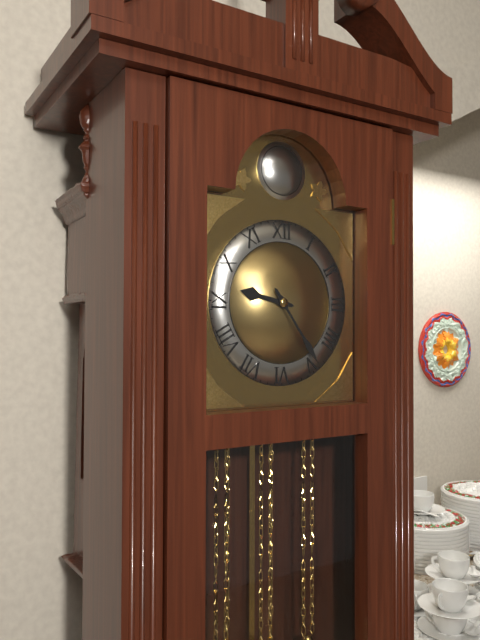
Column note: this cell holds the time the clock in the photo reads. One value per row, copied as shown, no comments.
9:24
